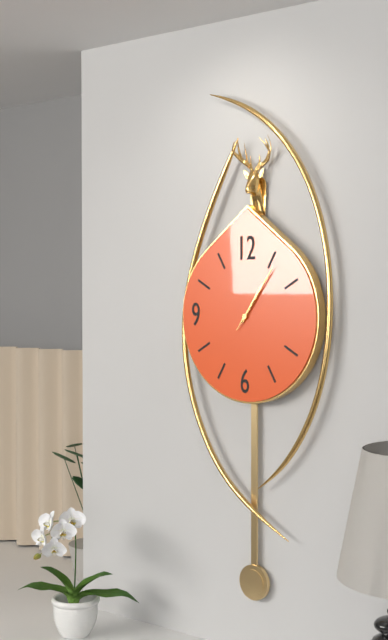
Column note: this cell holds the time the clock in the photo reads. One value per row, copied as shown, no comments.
1:06:06
